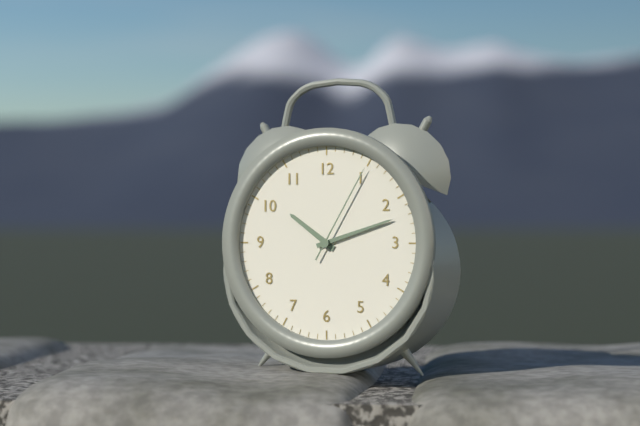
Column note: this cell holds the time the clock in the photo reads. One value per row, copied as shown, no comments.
10:12:05
